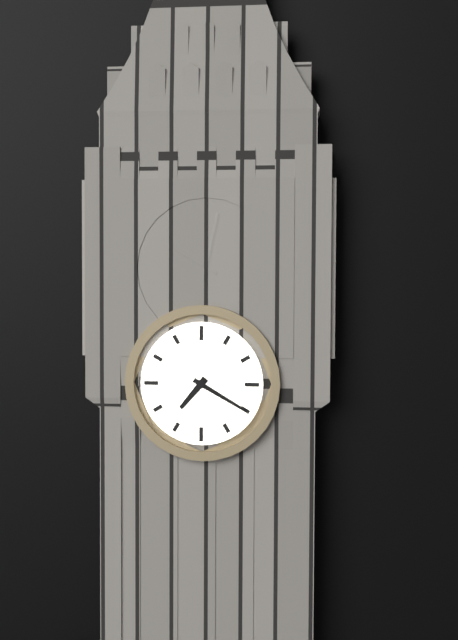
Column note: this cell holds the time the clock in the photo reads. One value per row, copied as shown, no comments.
7:20
